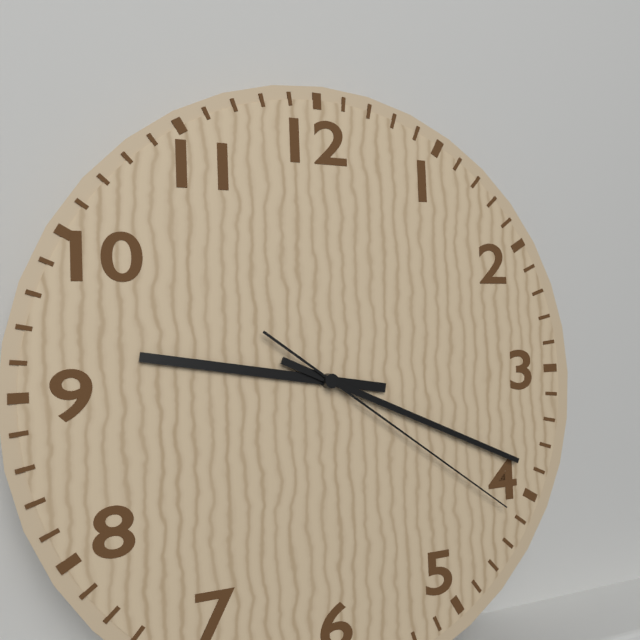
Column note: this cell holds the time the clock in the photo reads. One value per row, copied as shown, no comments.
9:19:21
